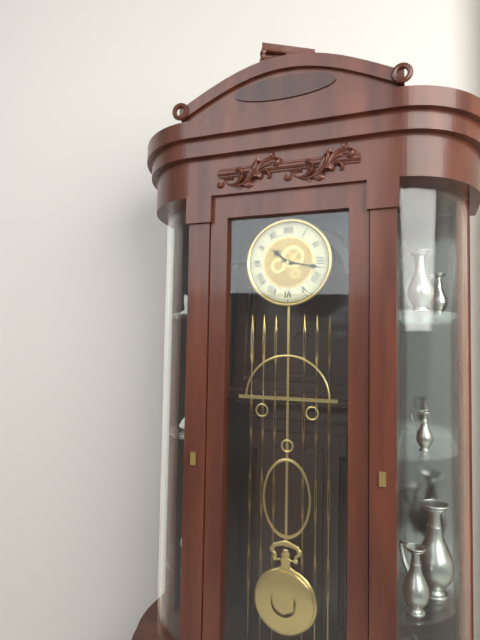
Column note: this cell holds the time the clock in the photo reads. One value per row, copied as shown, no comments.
10:17
